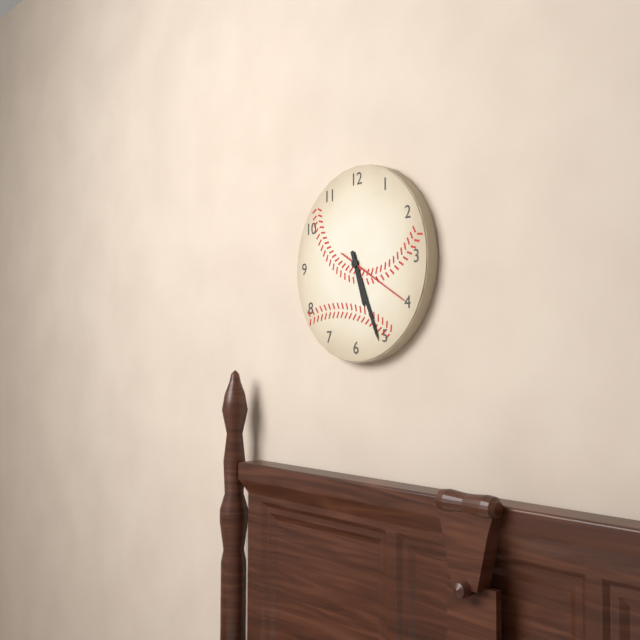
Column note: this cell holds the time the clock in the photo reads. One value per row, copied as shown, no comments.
5:26:20
